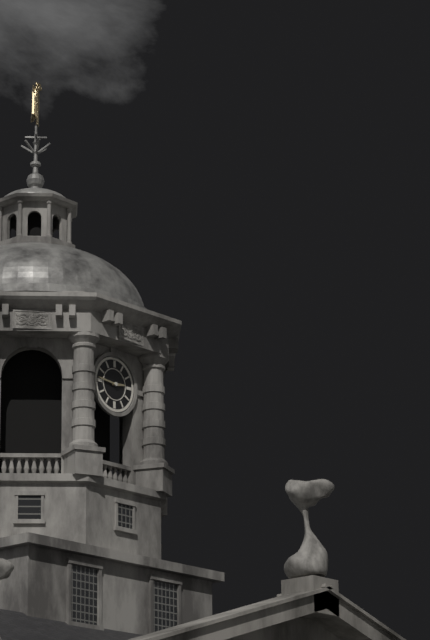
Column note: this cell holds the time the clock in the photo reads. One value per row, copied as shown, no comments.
2:46
